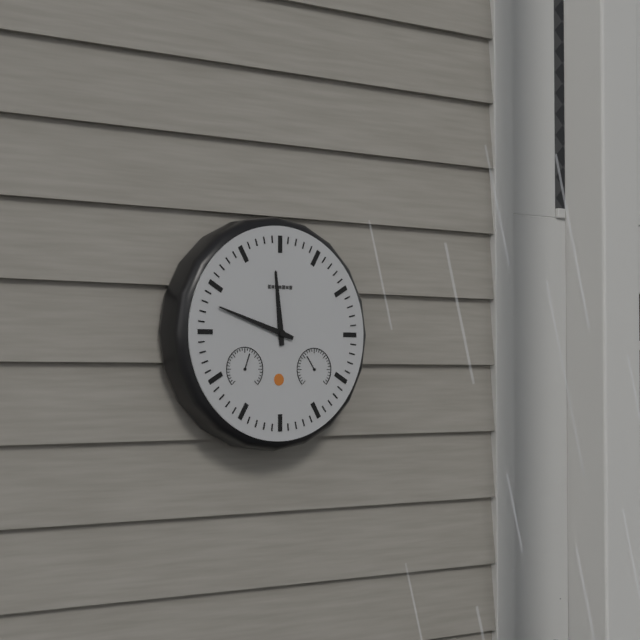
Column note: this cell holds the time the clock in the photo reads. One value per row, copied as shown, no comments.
11:48
